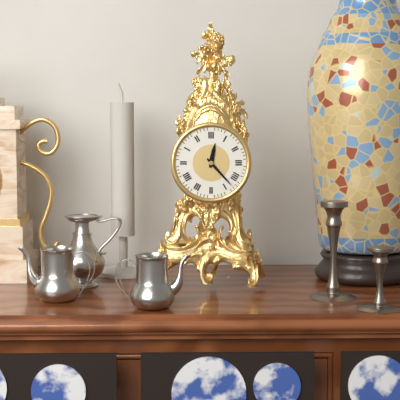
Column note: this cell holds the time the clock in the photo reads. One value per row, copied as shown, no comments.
12:23
